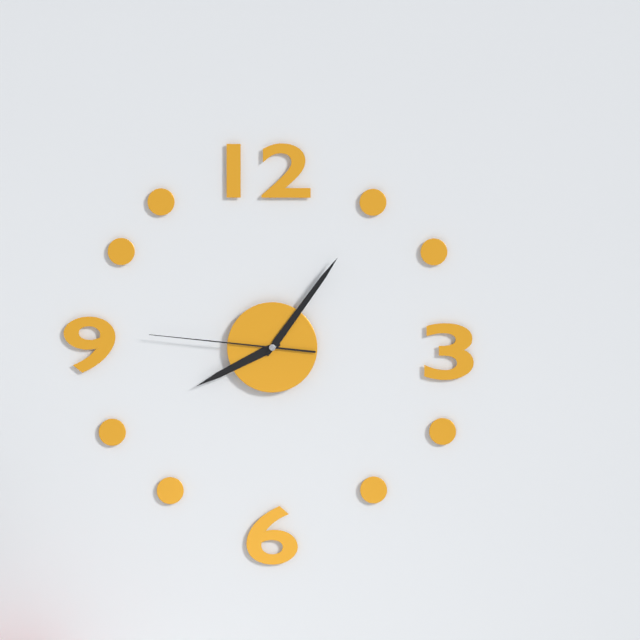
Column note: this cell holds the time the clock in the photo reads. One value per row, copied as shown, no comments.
8:06:46
